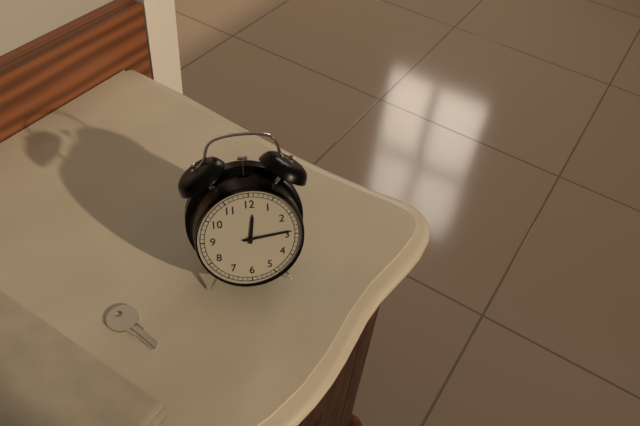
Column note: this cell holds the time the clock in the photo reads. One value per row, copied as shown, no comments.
12:14
